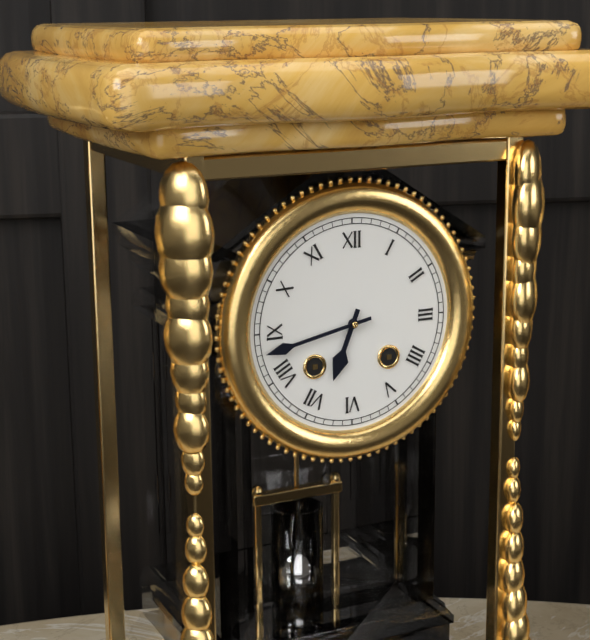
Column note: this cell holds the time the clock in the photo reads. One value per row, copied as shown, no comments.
6:43
